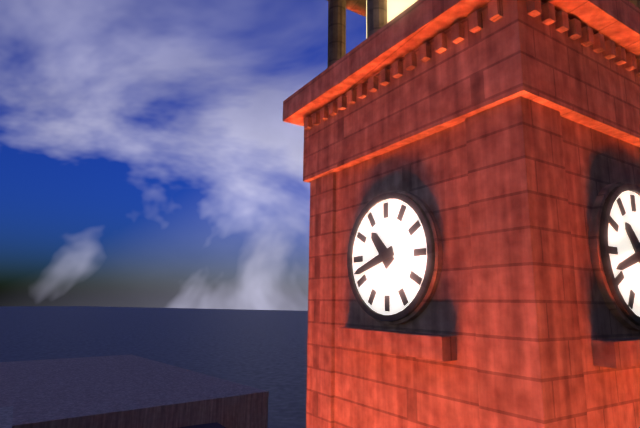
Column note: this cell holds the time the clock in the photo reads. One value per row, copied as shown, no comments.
10:42
